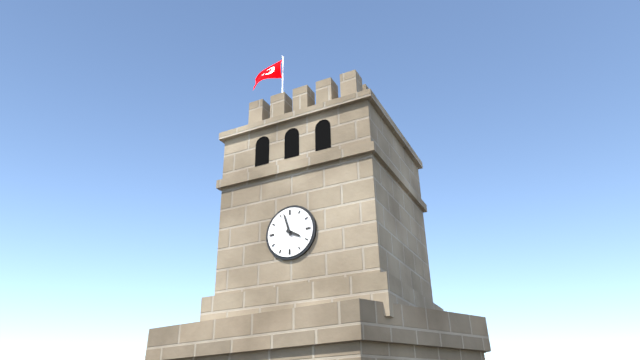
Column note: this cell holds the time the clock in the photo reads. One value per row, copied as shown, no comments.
3:57
